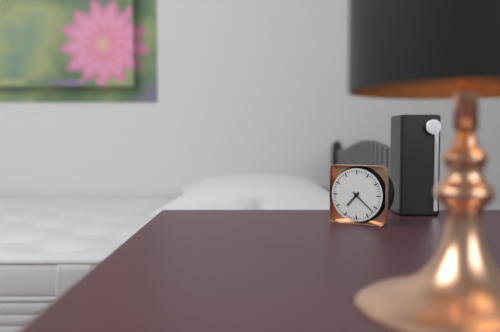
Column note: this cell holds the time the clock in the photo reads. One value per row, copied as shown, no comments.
7:22
